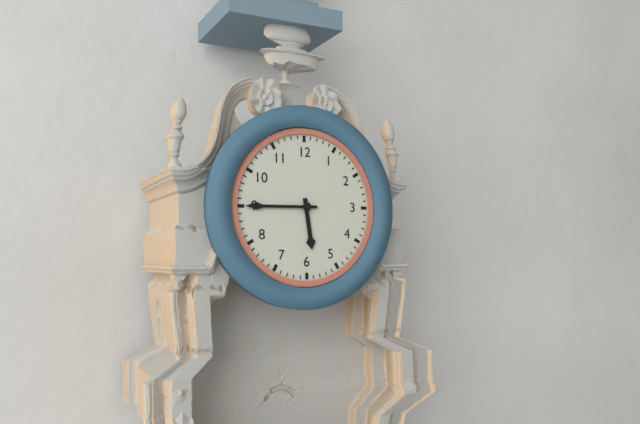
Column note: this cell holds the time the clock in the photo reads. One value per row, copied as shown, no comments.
5:45
